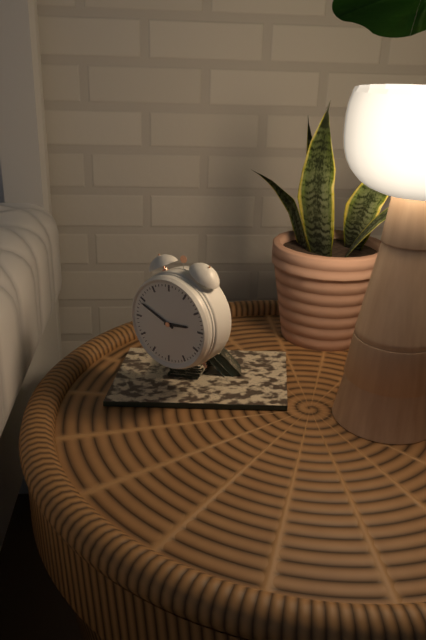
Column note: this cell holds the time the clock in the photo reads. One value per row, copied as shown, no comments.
2:49
